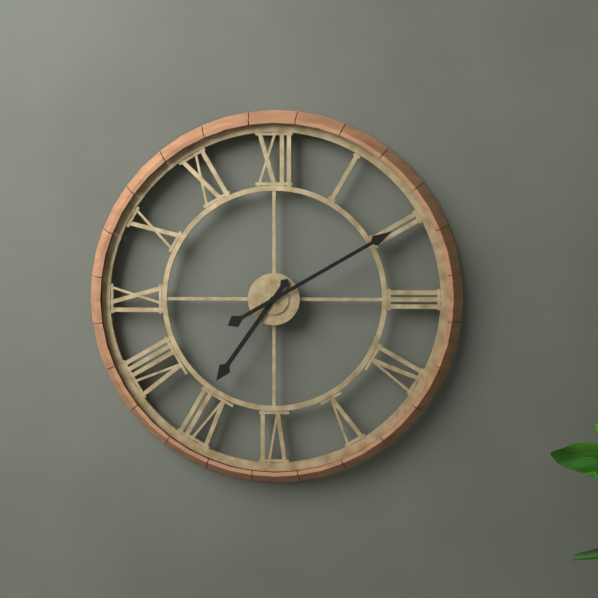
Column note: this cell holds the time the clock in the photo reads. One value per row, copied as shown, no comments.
7:10
